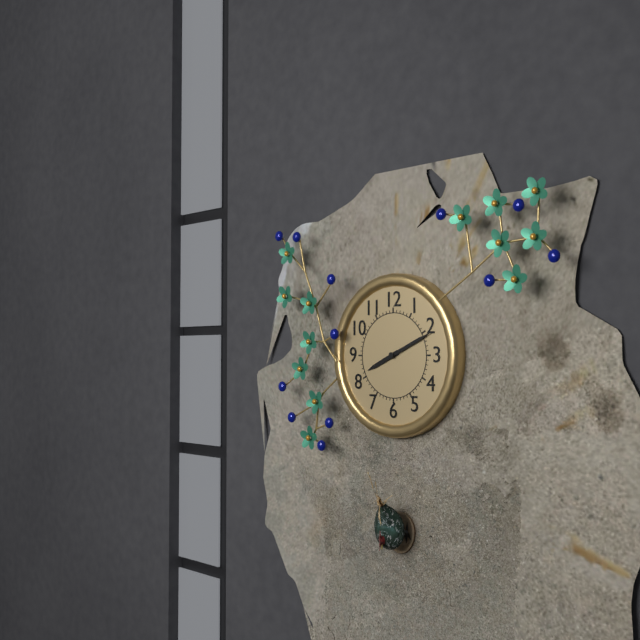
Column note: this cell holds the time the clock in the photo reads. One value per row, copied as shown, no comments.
8:11
